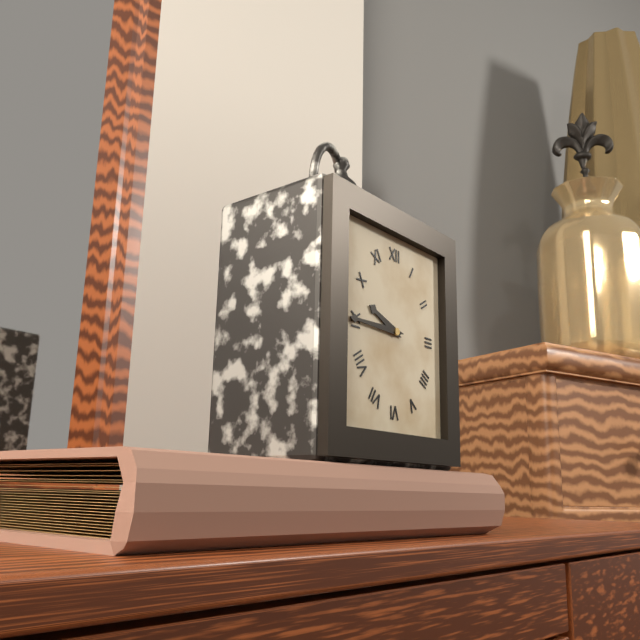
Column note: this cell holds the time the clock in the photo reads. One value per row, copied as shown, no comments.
9:45
